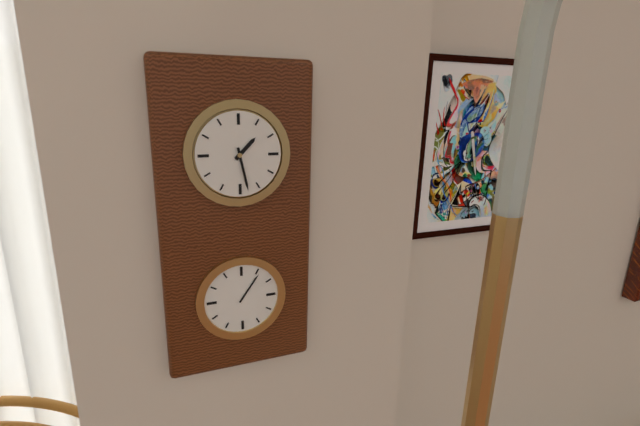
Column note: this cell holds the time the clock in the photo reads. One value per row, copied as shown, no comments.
1:28
